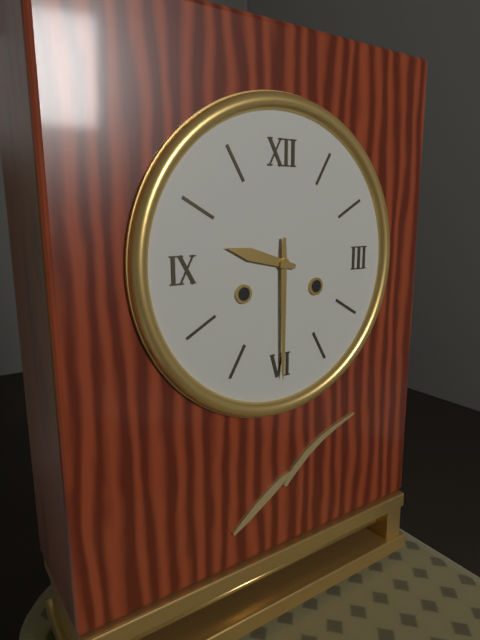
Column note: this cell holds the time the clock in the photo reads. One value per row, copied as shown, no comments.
9:30
